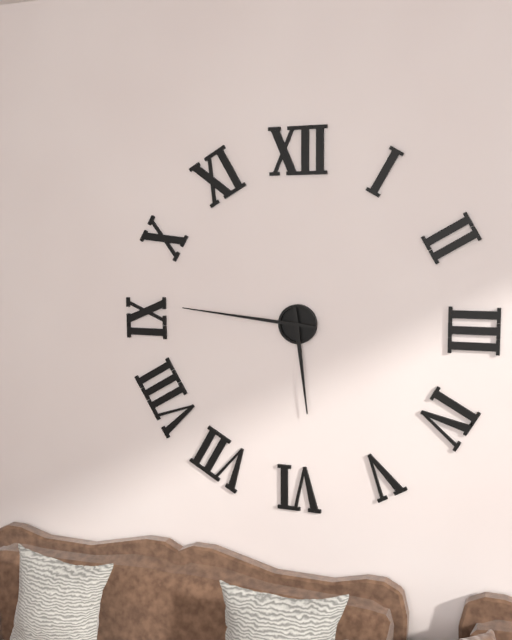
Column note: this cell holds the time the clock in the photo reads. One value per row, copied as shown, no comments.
5:46
